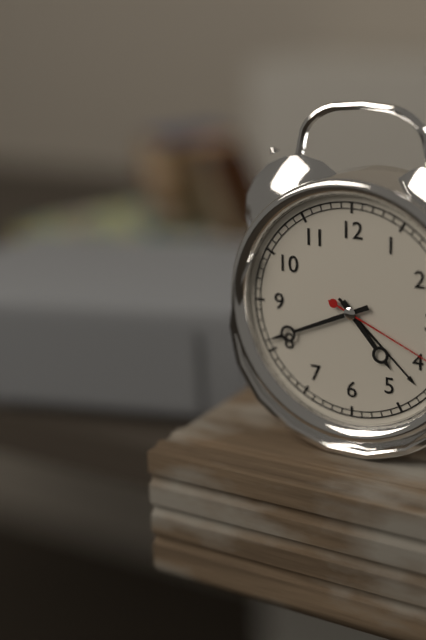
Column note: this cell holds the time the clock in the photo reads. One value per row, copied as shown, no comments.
4:41
